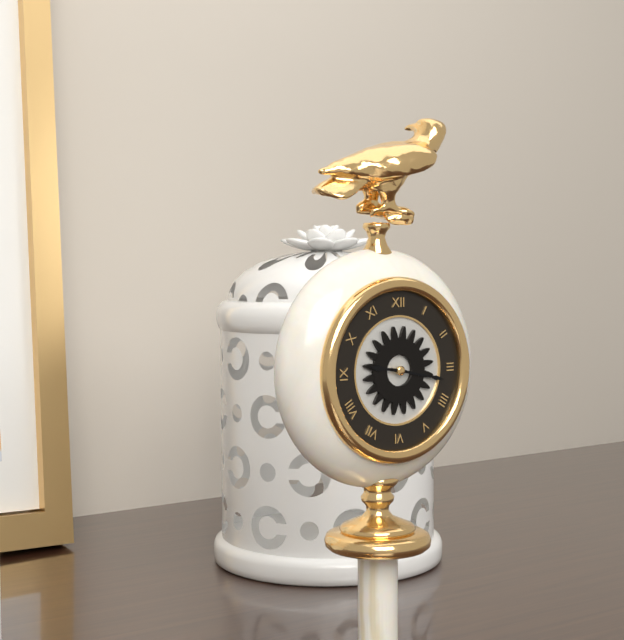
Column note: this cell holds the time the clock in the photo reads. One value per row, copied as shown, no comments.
9:17
